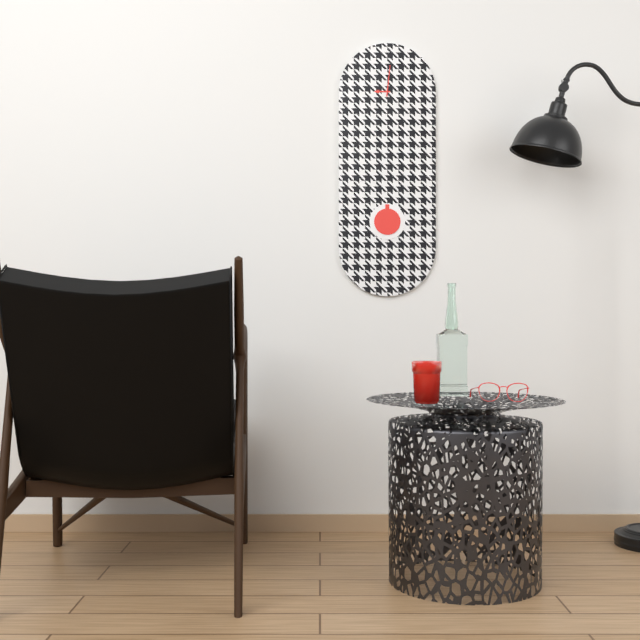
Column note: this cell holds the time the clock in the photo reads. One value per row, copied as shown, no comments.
9:01
